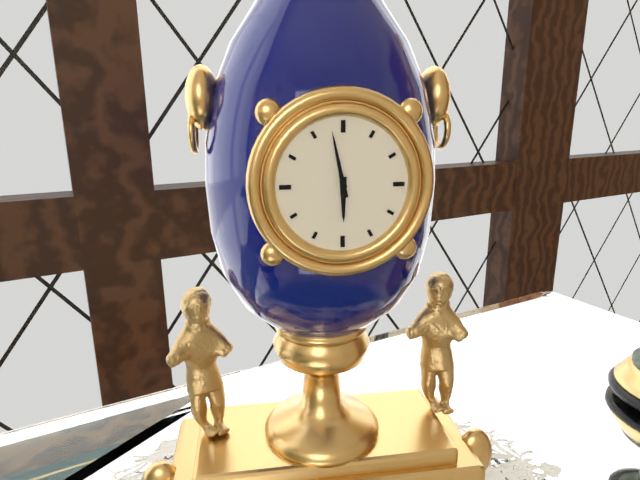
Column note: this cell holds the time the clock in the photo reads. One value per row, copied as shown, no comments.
5:58
